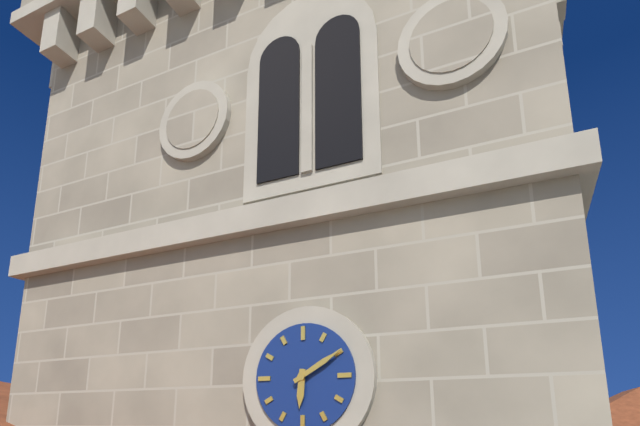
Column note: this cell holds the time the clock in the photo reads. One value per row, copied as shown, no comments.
6:10
